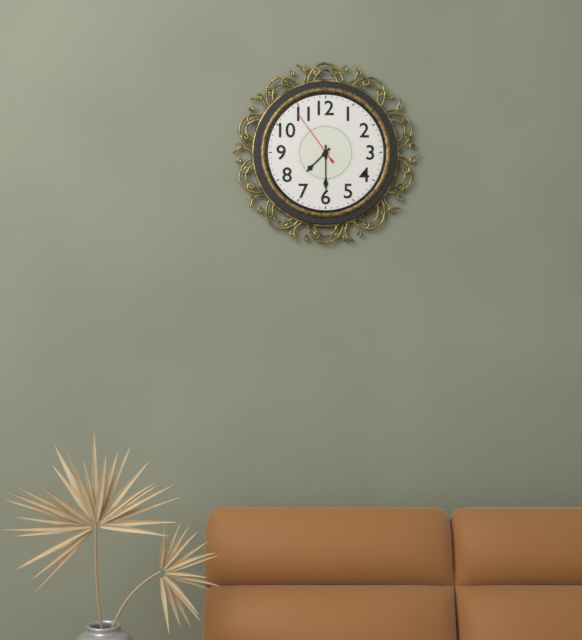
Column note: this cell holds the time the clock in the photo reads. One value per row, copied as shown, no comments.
7:30:54
